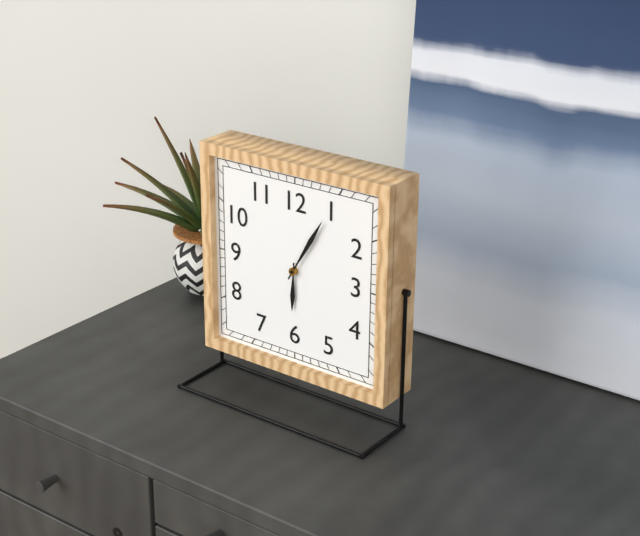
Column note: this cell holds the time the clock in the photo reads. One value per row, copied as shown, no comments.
6:05
